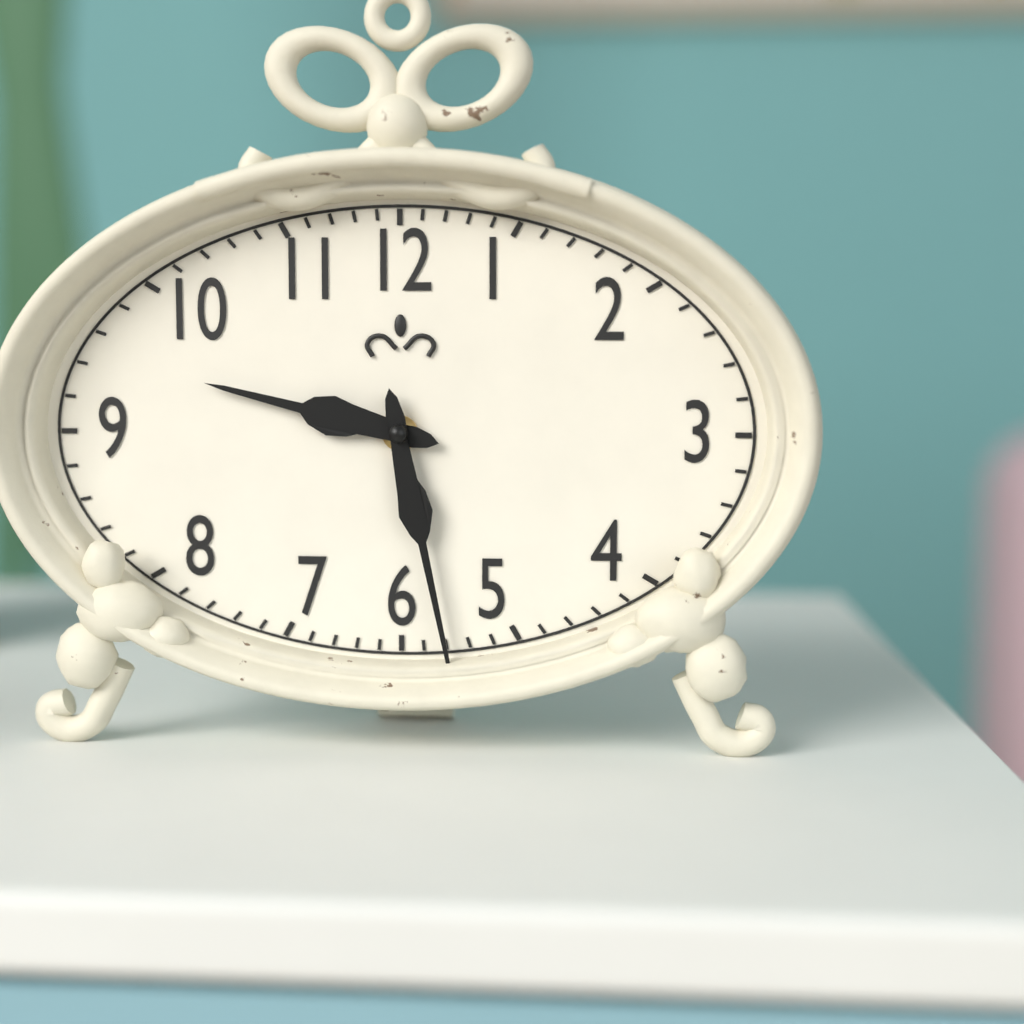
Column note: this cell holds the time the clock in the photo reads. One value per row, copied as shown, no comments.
9:28
